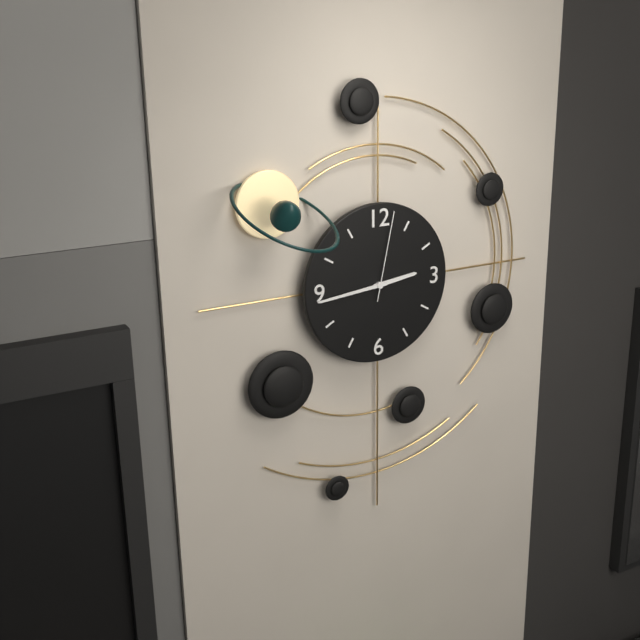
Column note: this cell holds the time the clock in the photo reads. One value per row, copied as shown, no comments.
2:44:02
